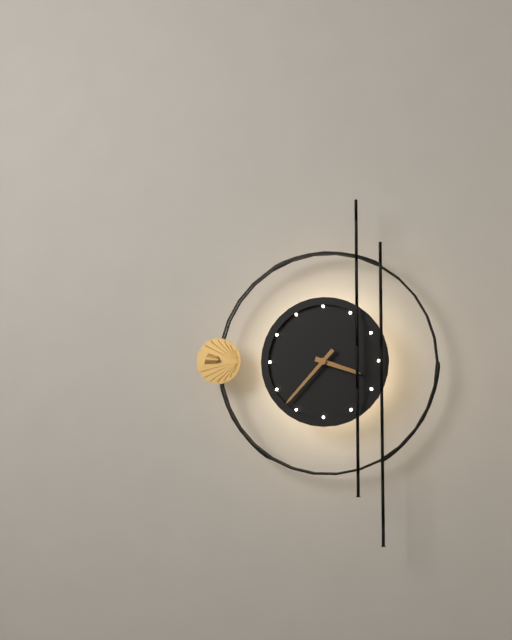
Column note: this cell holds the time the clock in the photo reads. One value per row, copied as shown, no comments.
3:37
